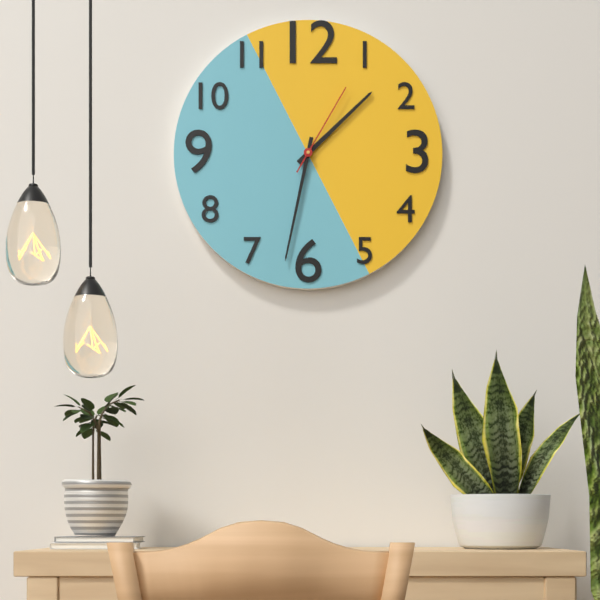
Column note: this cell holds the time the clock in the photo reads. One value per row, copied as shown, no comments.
1:32:05
